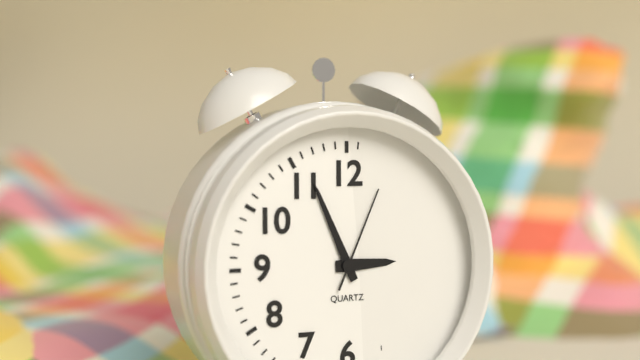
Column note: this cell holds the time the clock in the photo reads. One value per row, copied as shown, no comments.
2:56:04
